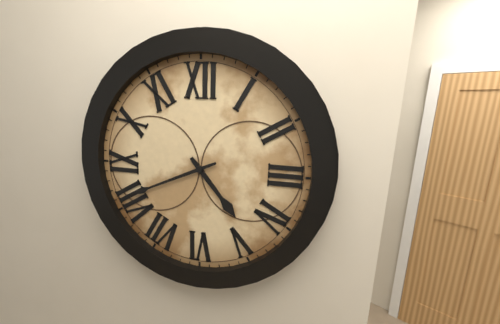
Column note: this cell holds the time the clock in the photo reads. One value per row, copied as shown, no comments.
4:41
